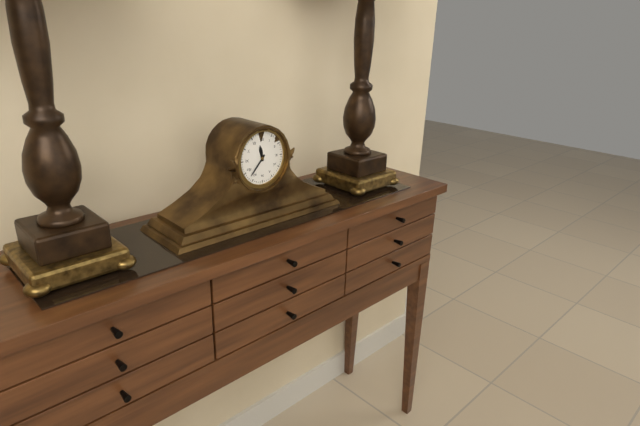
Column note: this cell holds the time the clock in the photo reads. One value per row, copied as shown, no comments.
11:37
